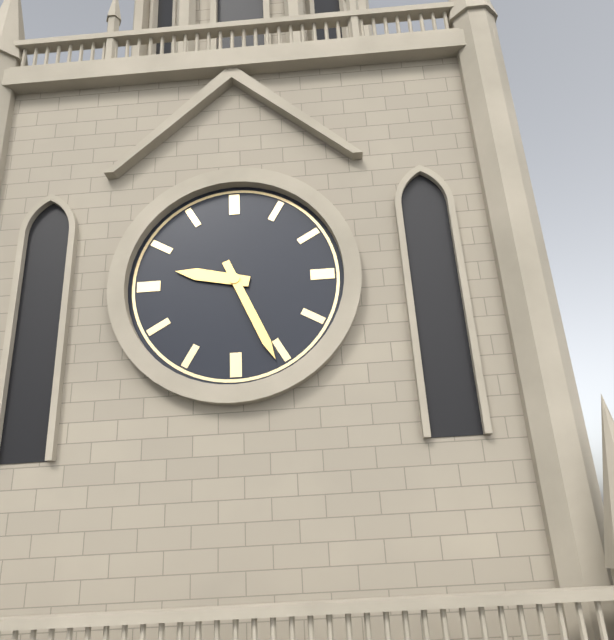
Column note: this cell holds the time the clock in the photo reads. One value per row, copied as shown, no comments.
9:26
